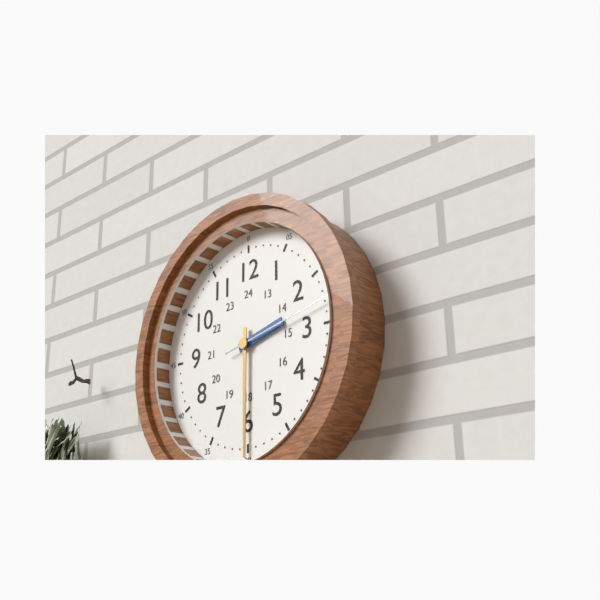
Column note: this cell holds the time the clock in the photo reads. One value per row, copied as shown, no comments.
2:30:13
